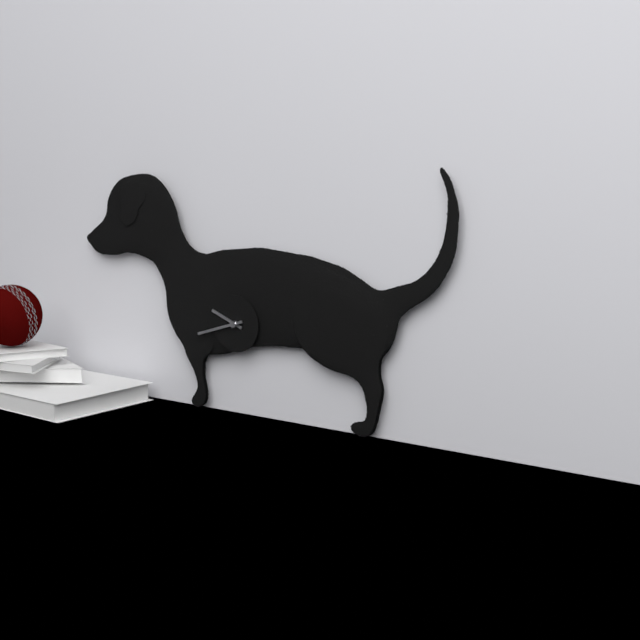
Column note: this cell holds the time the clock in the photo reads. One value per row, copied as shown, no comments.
9:42
